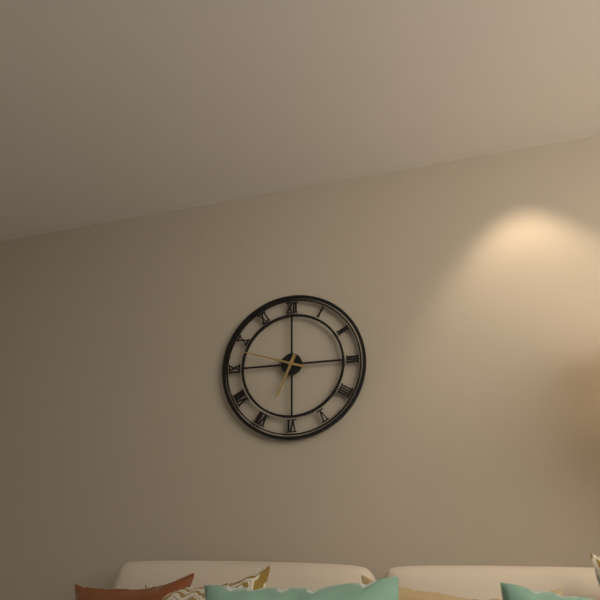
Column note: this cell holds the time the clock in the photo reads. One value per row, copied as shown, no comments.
6:48
